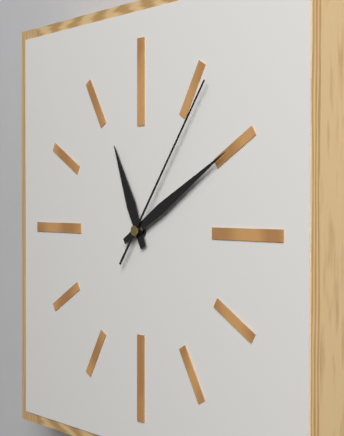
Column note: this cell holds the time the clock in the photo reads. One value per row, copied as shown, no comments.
11:10:06
